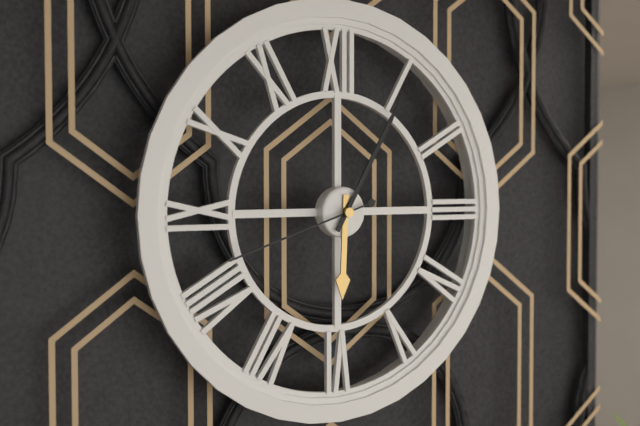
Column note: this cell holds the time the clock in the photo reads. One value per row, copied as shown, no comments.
6:05:42
